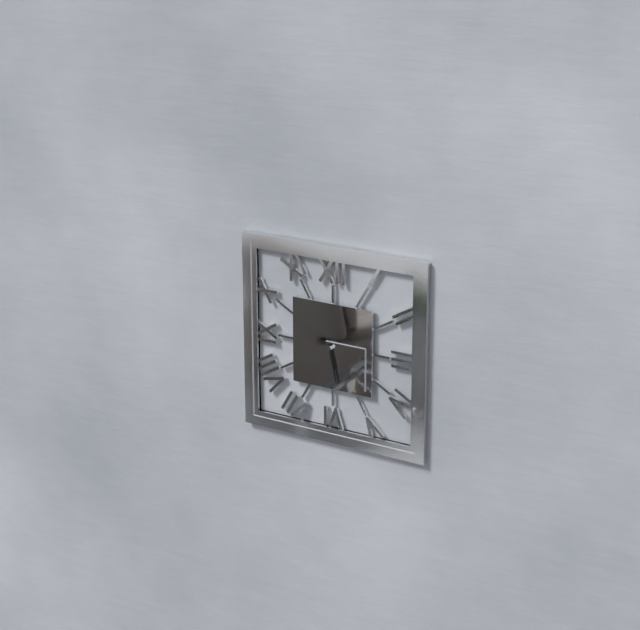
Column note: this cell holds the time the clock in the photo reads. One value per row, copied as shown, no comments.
5:28
